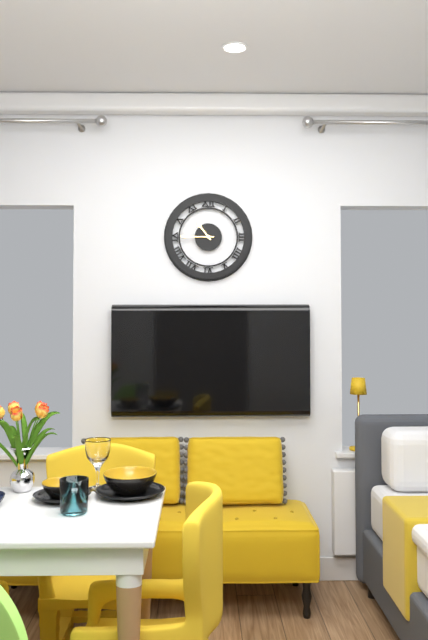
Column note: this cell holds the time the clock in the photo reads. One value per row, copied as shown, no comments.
10:45
